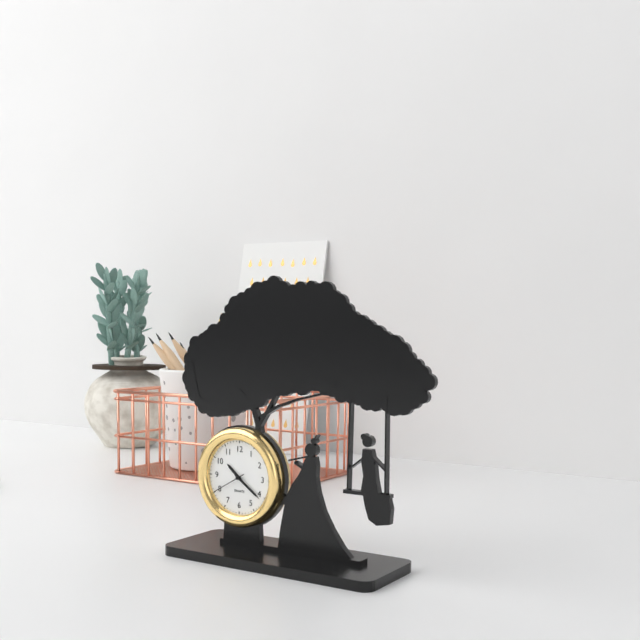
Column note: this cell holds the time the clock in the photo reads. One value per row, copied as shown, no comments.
10:21
